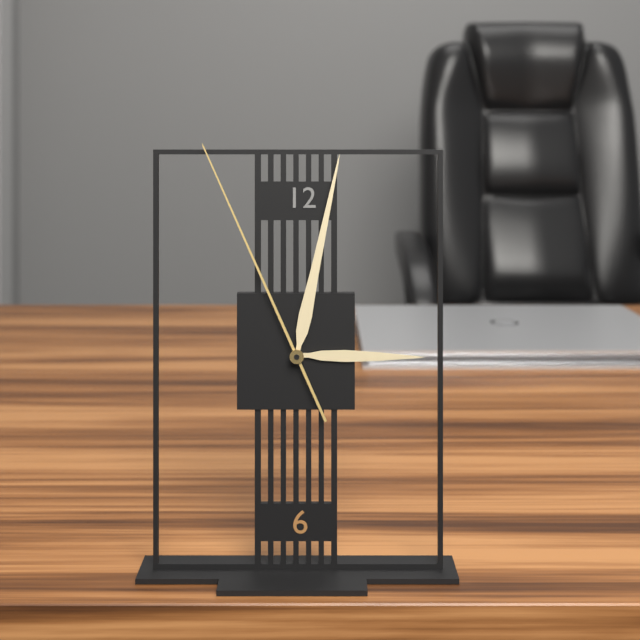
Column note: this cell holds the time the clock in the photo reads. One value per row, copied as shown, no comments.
3:02:56
